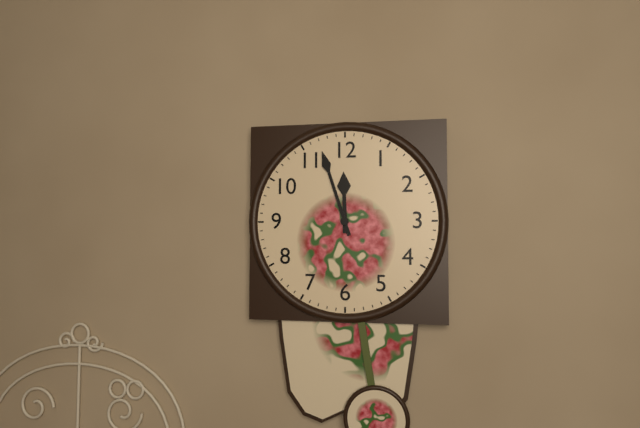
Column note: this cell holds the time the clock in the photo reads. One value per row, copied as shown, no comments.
11:57
